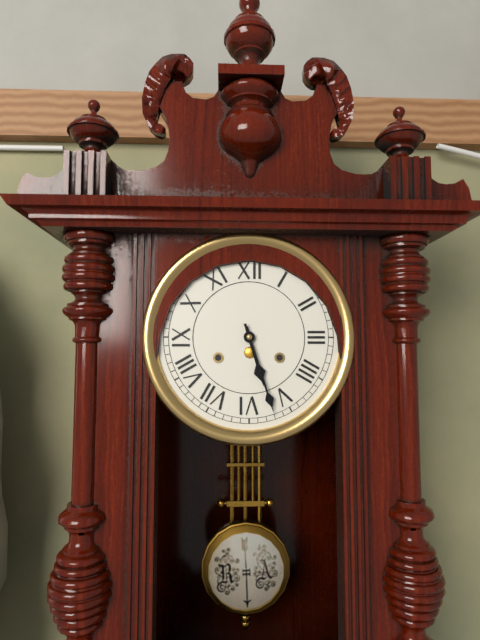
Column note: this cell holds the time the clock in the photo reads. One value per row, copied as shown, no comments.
5:27
